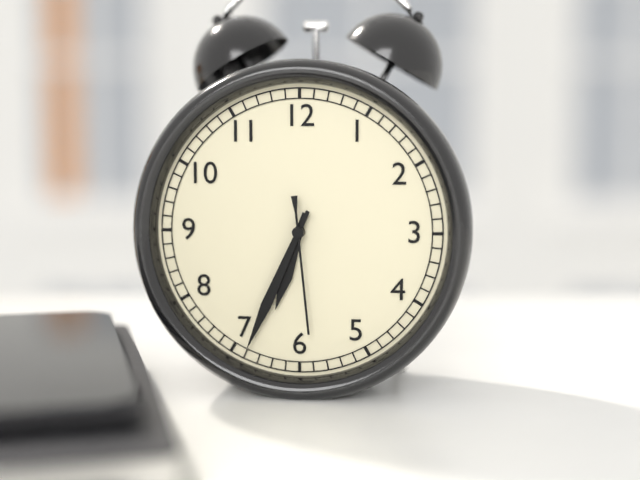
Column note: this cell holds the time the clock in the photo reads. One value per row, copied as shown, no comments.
6:34:29
